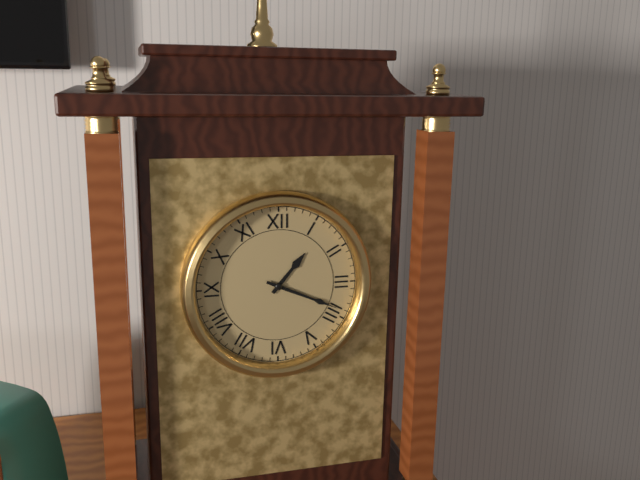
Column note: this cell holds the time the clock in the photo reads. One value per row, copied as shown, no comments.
1:19
